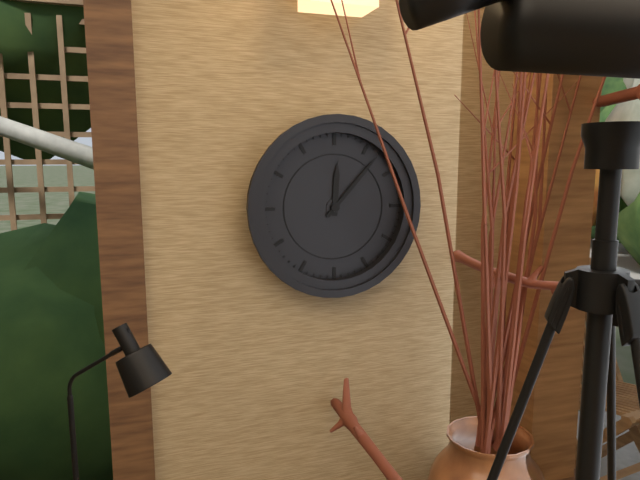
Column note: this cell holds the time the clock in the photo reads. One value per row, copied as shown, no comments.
12:07
